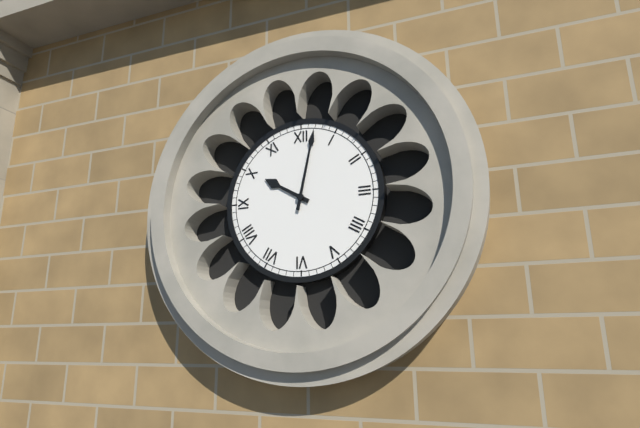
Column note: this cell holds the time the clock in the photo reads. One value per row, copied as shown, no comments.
10:02
